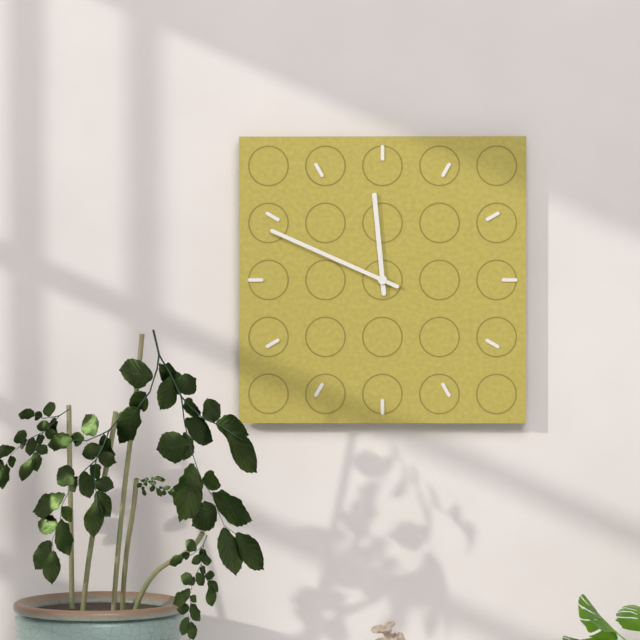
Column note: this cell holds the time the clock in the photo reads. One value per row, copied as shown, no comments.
11:49
